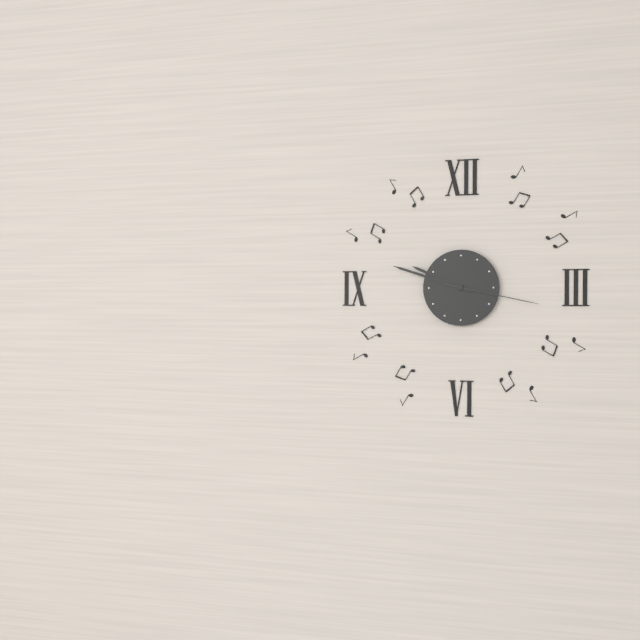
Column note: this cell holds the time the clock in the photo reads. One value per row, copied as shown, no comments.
9:48:17
